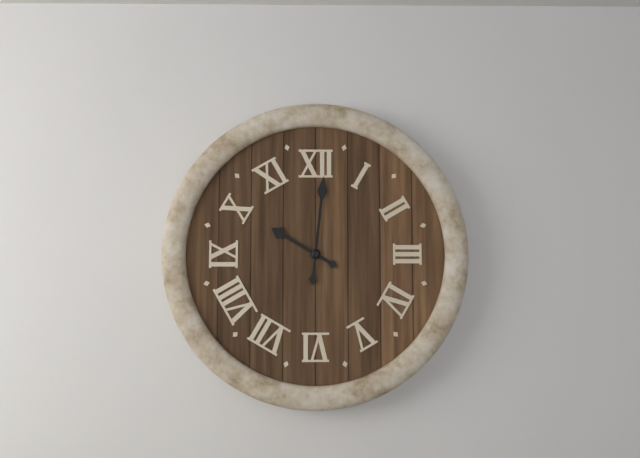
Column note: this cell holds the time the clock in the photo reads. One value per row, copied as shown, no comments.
10:01
